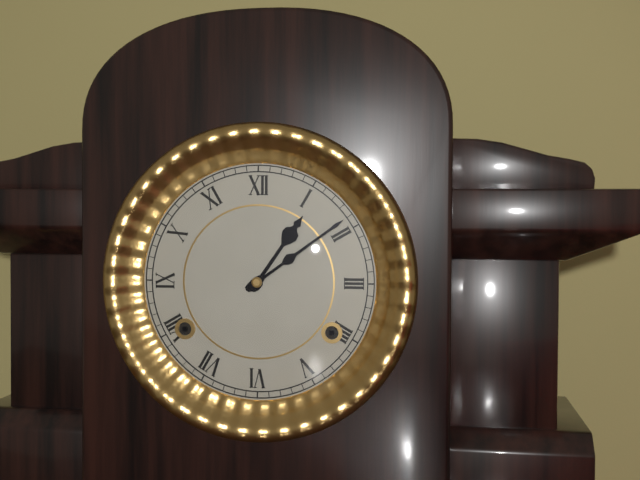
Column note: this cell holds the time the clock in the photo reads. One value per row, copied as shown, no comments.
1:09
